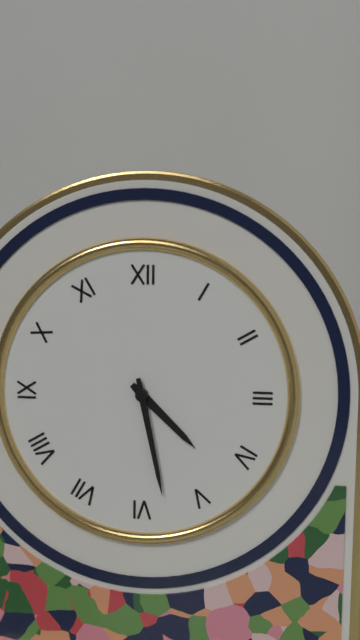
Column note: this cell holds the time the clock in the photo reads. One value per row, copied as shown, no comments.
4:28
